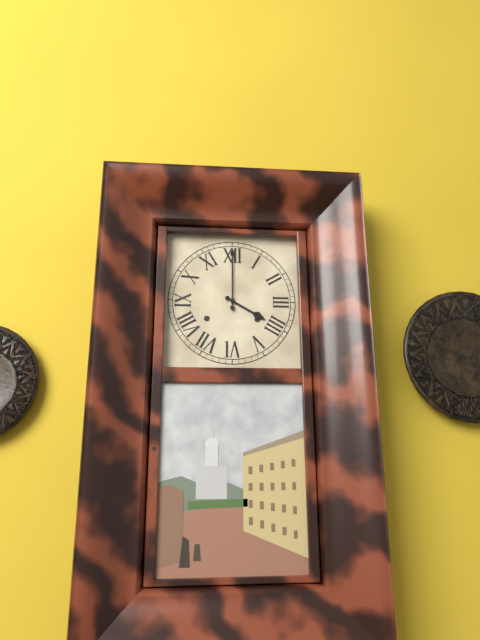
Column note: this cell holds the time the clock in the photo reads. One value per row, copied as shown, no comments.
4:00
